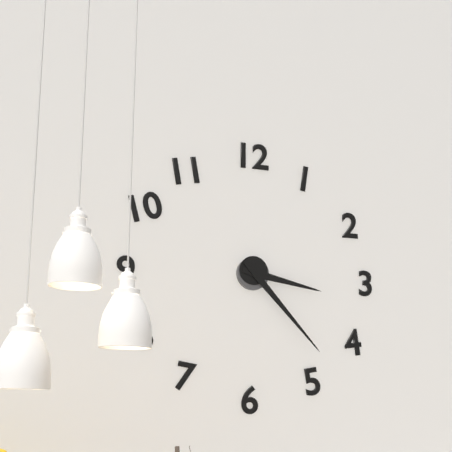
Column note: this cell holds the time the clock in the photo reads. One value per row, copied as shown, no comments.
3:23
